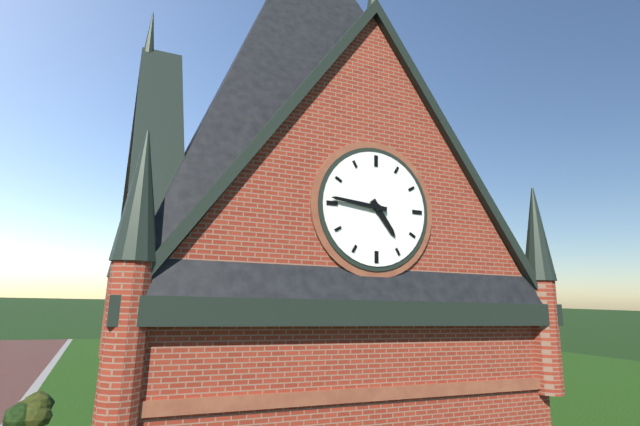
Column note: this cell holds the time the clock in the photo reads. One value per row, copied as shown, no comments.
4:46
